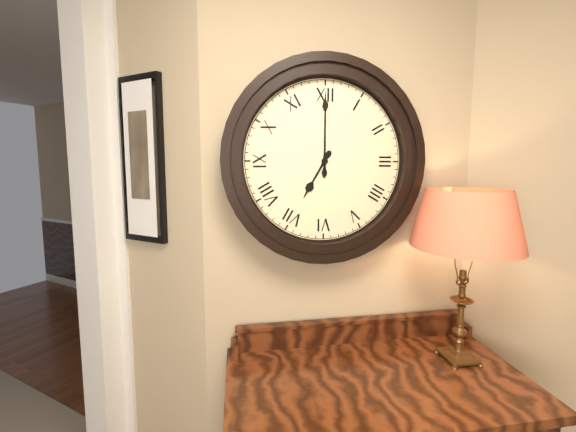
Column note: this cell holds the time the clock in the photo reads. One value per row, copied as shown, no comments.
7:00
